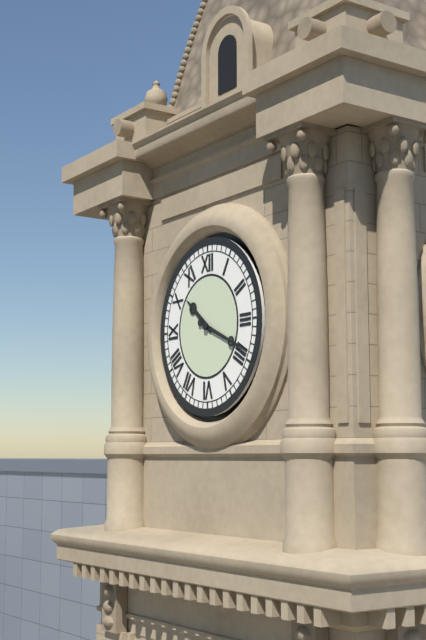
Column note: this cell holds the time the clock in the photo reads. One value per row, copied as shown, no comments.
10:19
